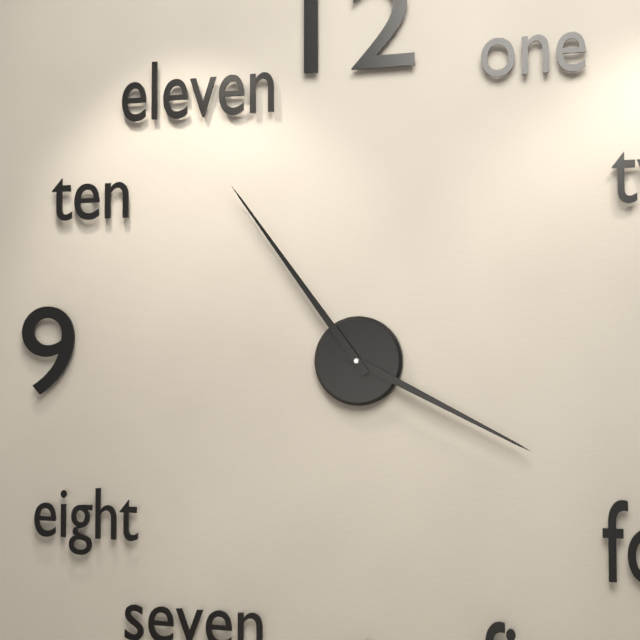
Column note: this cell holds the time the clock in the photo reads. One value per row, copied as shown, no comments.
3:54
